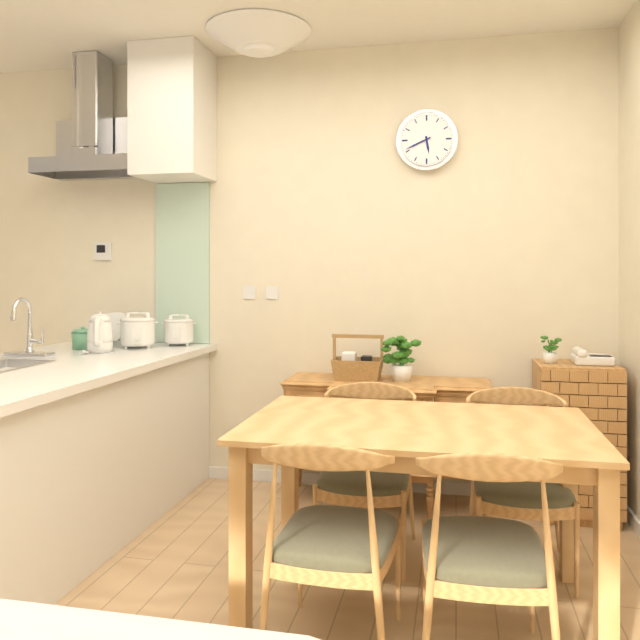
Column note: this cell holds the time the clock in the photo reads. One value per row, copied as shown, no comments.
5:41
